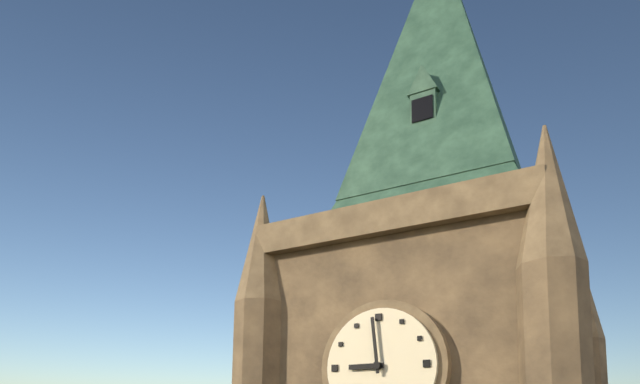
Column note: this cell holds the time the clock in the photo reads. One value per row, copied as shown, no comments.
8:59
